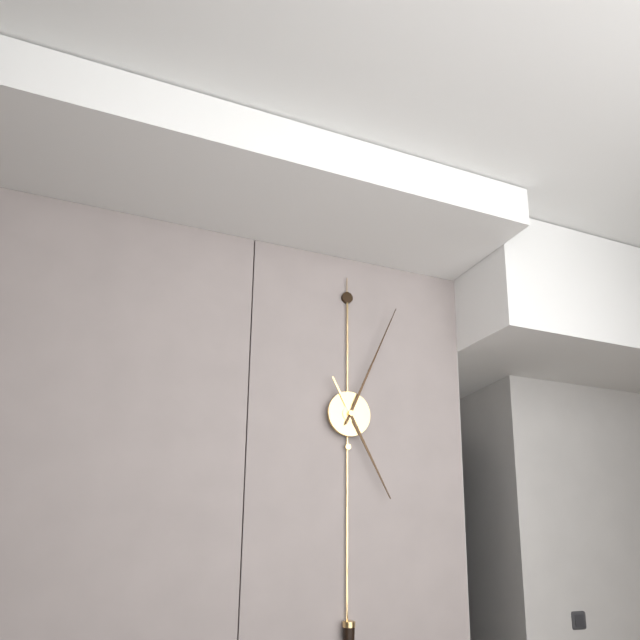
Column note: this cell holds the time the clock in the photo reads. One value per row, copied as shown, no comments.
5:04
